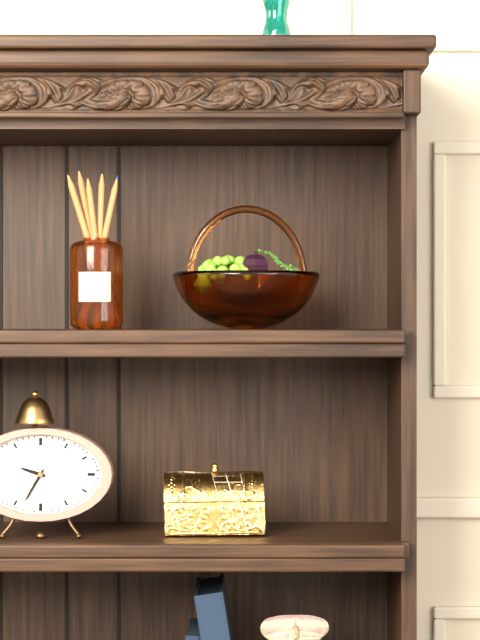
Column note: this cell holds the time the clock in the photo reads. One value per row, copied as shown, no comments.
9:35
